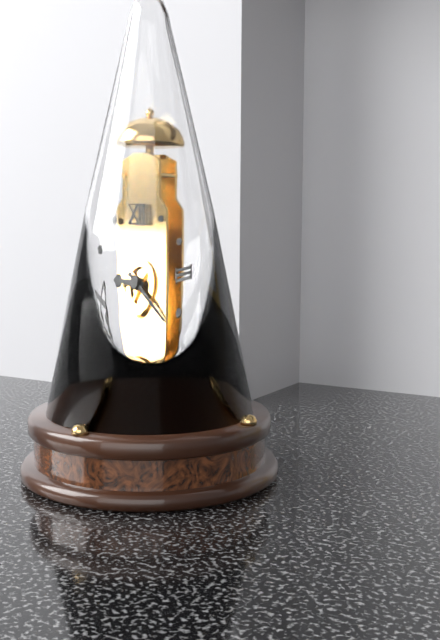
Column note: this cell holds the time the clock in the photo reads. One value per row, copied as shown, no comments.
9:22
